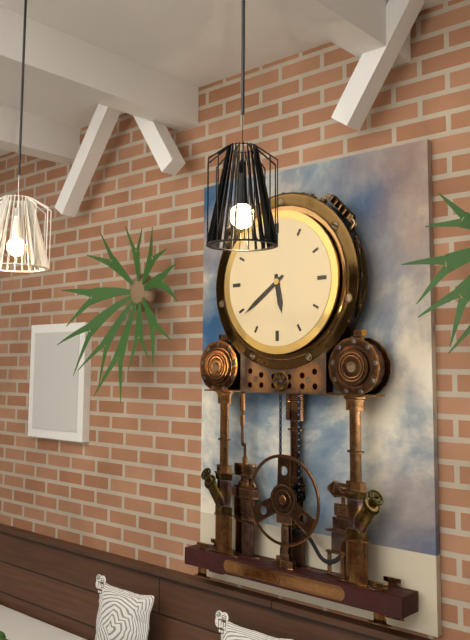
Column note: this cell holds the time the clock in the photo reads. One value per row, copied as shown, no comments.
5:39
